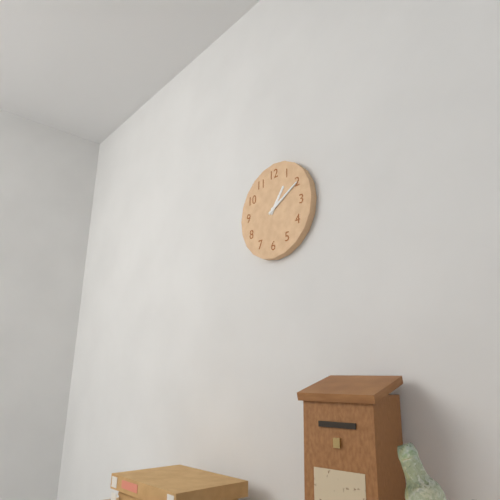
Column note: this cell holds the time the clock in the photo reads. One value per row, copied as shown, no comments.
1:10
